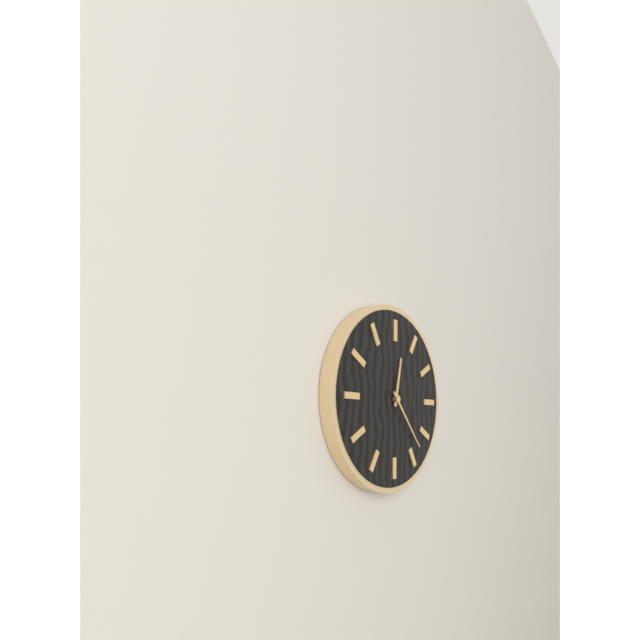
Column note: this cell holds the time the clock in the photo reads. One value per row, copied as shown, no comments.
12:23
